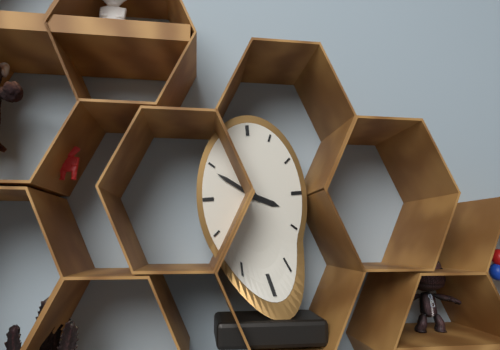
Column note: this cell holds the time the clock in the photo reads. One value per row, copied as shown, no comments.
3:51
